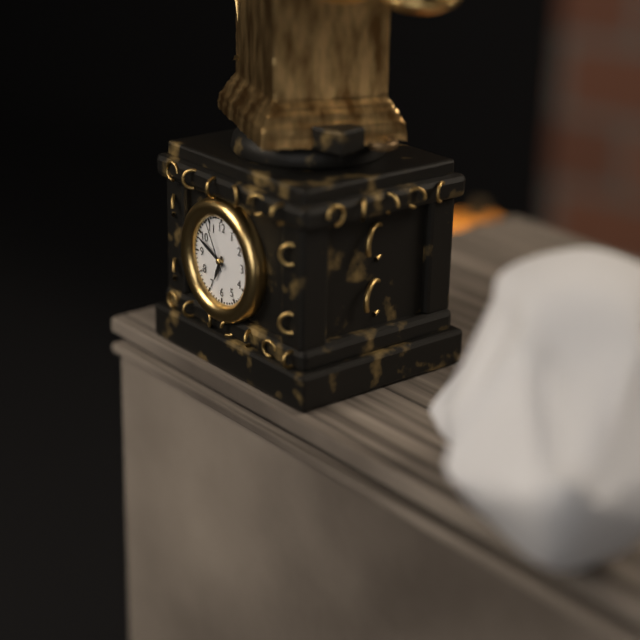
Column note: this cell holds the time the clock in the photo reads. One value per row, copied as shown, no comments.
6:49:55
